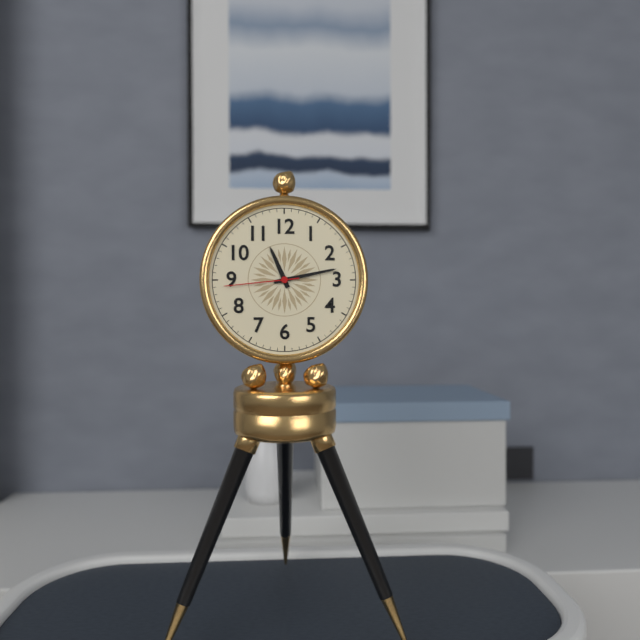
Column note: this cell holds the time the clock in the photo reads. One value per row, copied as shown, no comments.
11:13:44
